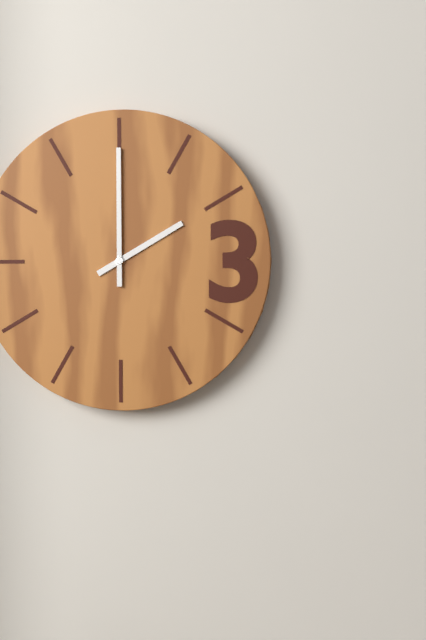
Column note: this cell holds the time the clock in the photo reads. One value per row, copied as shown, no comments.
2:00
